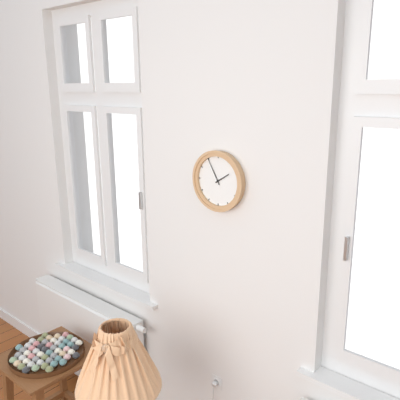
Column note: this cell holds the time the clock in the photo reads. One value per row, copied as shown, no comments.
1:55
